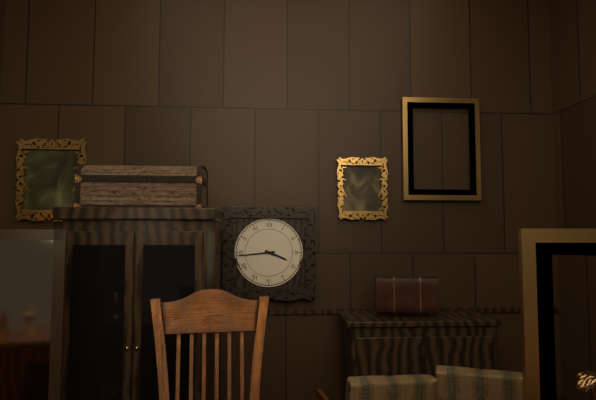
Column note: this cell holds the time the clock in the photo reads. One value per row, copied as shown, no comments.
3:44
